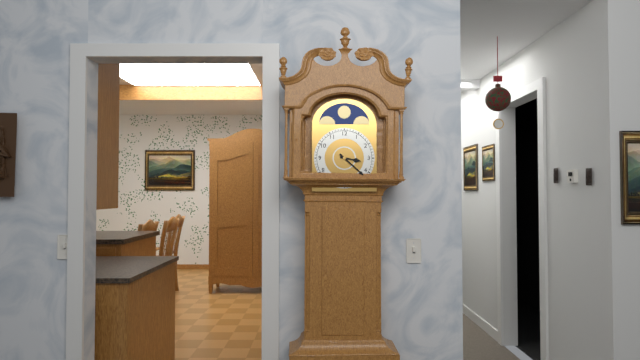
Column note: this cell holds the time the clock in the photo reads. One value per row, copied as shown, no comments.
3:22
